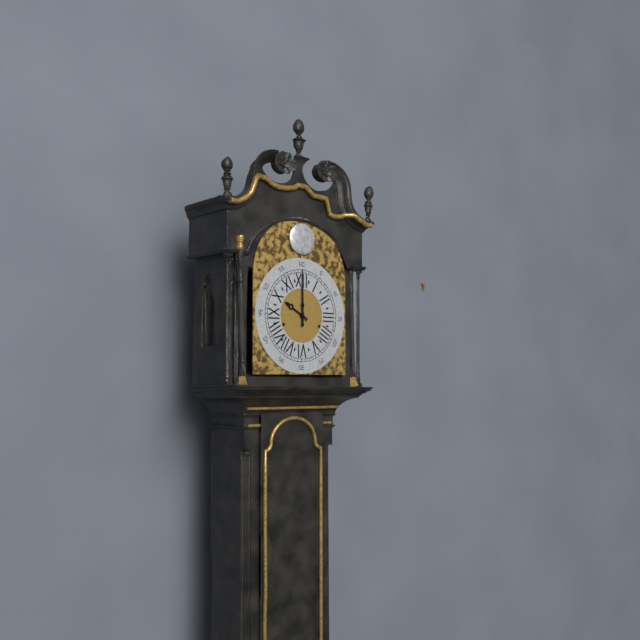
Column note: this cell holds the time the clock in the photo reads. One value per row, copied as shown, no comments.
10:00
